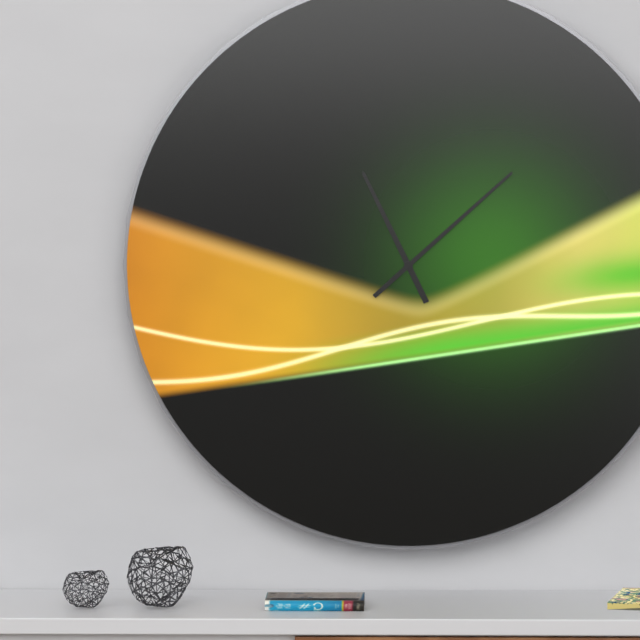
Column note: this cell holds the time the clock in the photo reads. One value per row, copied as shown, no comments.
11:08
